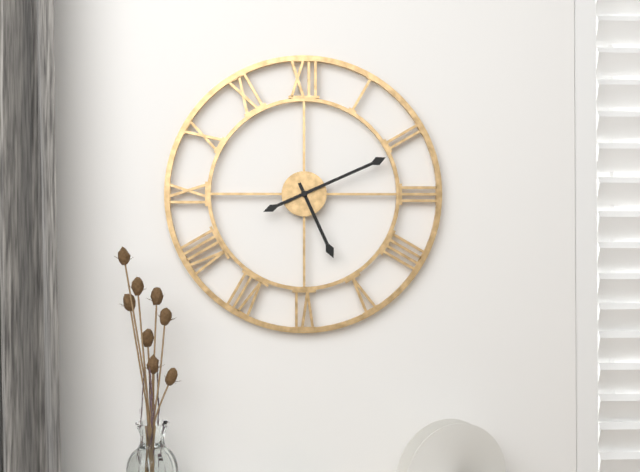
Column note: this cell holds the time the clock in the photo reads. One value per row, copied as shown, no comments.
5:11
